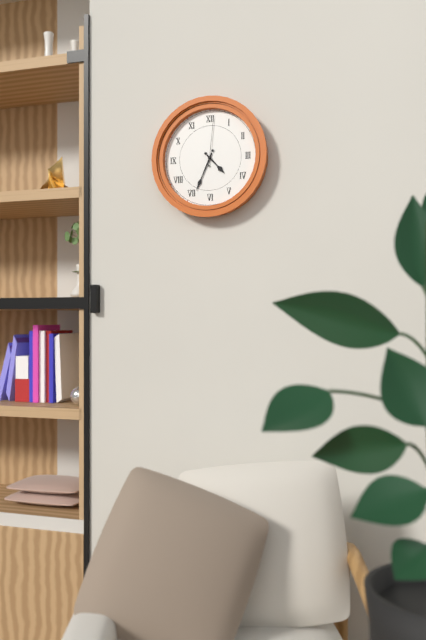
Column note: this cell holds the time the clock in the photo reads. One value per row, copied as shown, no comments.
4:34:01
